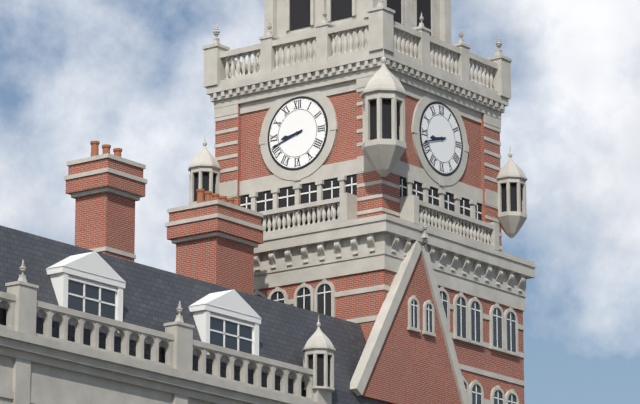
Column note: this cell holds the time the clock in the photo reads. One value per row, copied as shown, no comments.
8:42
